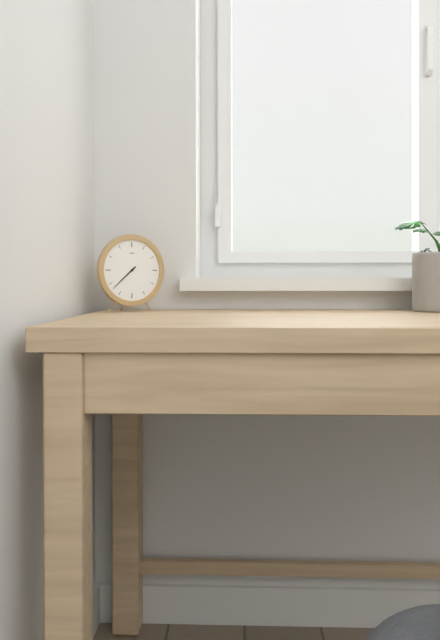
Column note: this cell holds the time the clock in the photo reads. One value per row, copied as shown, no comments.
7:38
